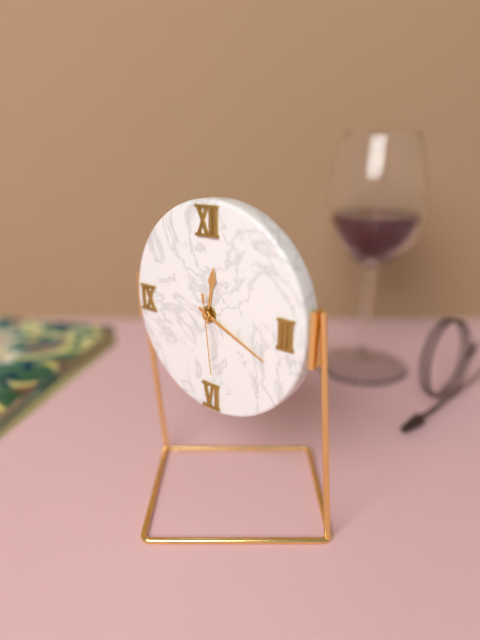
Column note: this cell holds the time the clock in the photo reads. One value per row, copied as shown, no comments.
12:19:29
